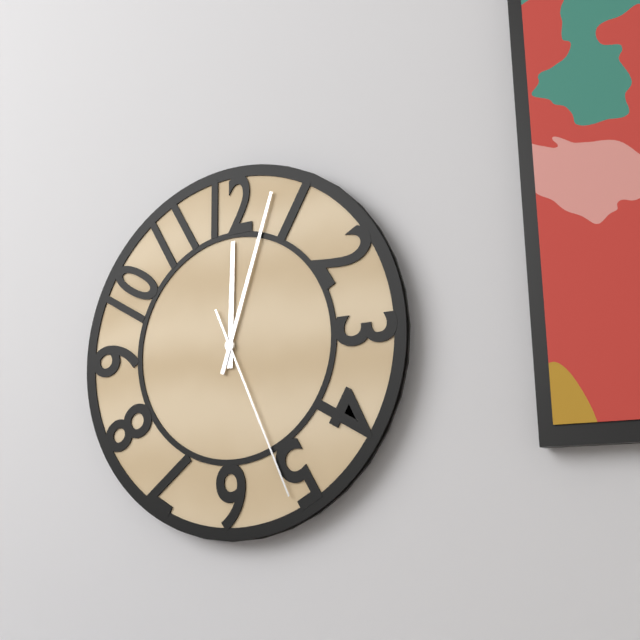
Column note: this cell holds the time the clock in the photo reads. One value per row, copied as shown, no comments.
12:03:26
